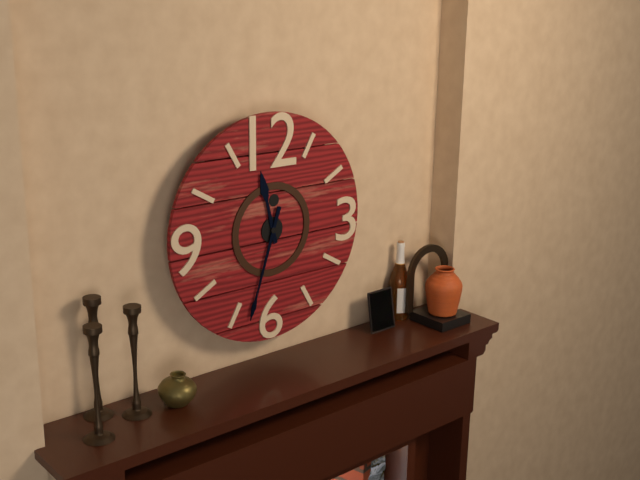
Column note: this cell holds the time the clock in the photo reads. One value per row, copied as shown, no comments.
11:33
